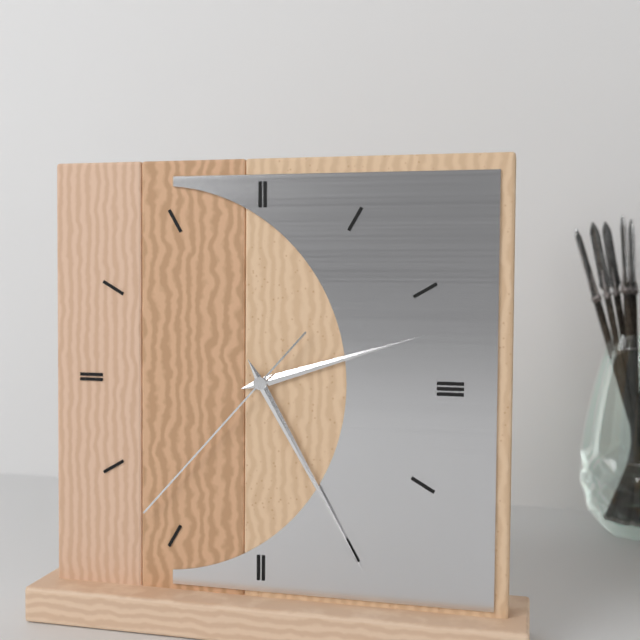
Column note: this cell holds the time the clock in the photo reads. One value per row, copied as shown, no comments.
2:25:37
